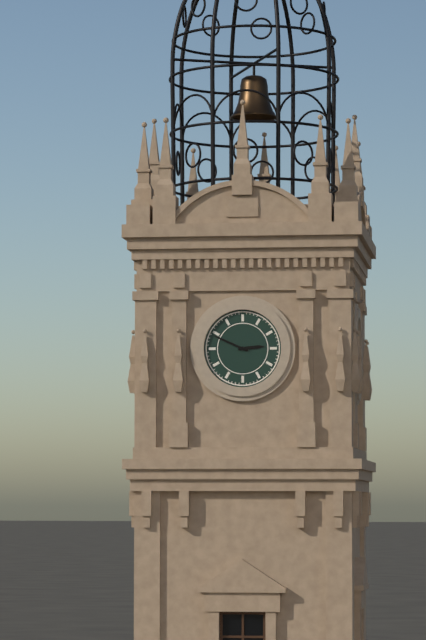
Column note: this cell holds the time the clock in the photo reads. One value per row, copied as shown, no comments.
2:49
